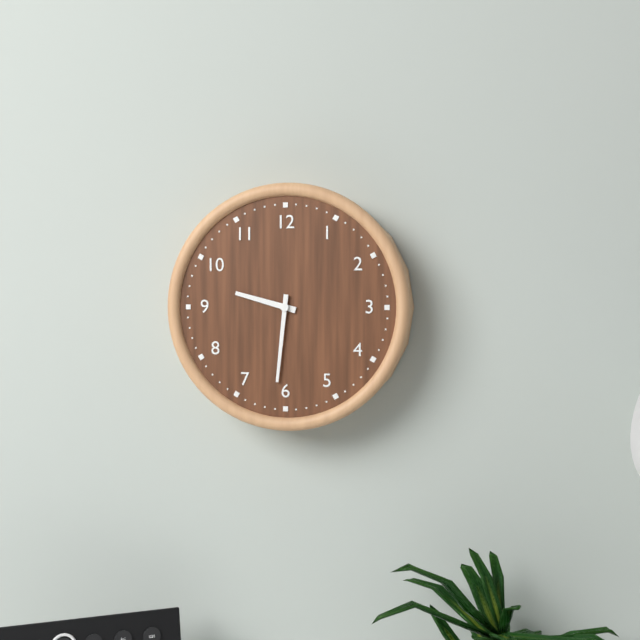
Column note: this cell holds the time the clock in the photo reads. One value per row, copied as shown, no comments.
9:31
